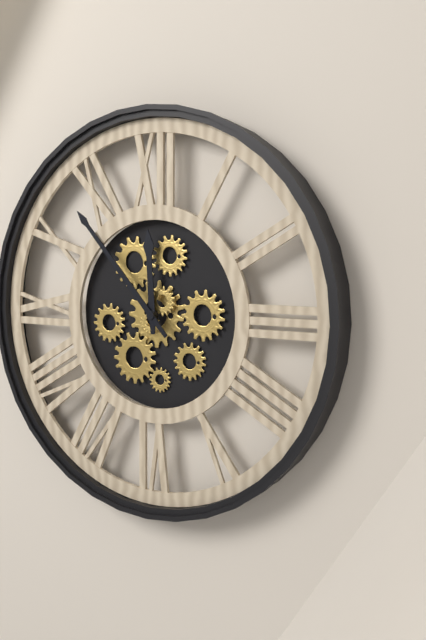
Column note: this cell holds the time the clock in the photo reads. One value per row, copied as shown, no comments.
11:53
